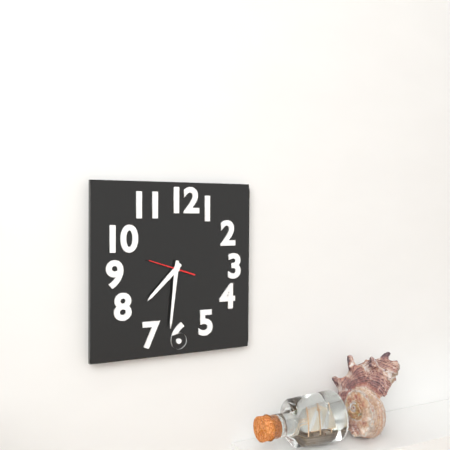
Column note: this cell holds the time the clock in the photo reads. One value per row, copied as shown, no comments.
7:31
